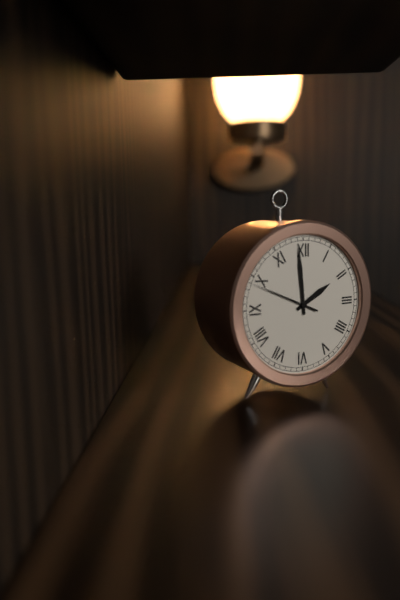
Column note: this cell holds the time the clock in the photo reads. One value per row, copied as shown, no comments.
1:59
